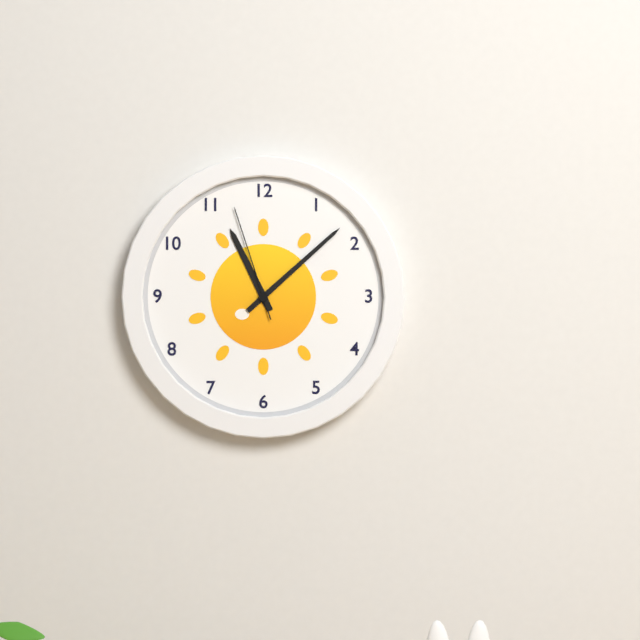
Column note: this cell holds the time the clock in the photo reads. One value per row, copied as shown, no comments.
11:08:57
